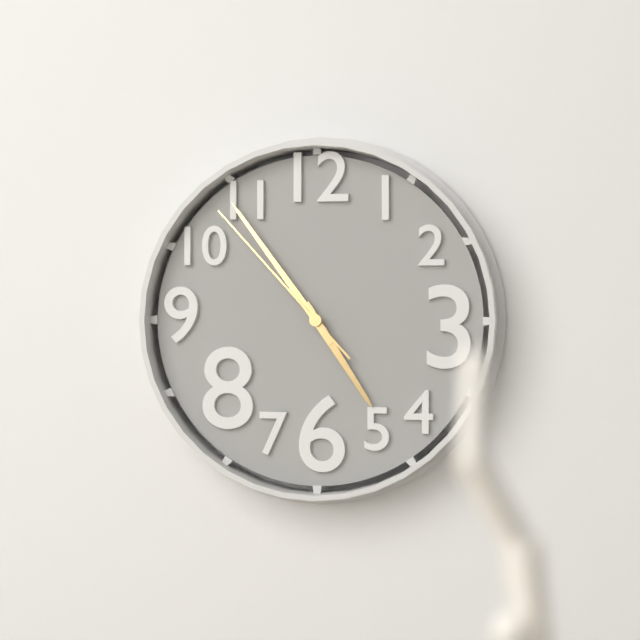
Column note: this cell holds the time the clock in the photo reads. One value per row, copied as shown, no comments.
4:54:53
